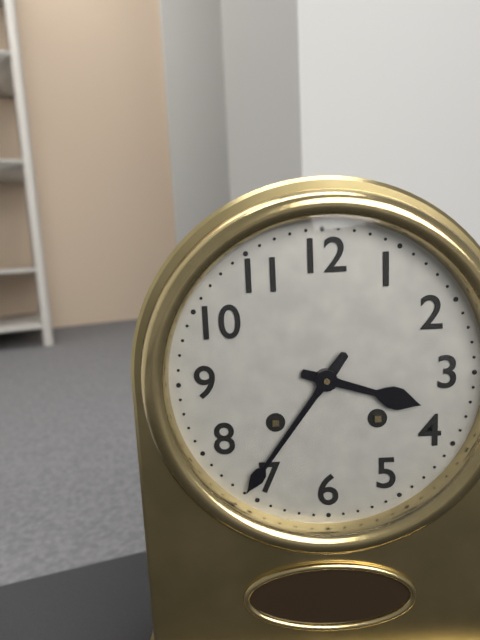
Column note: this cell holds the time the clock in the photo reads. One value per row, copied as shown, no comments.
3:36
